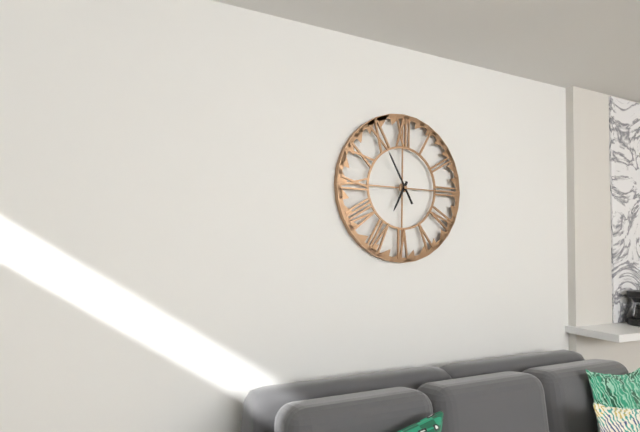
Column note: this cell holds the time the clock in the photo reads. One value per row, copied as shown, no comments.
6:55
